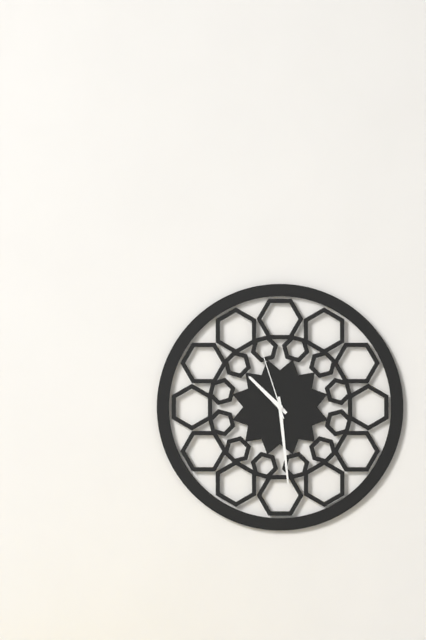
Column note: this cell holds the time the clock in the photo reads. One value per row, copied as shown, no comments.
10:29:57
